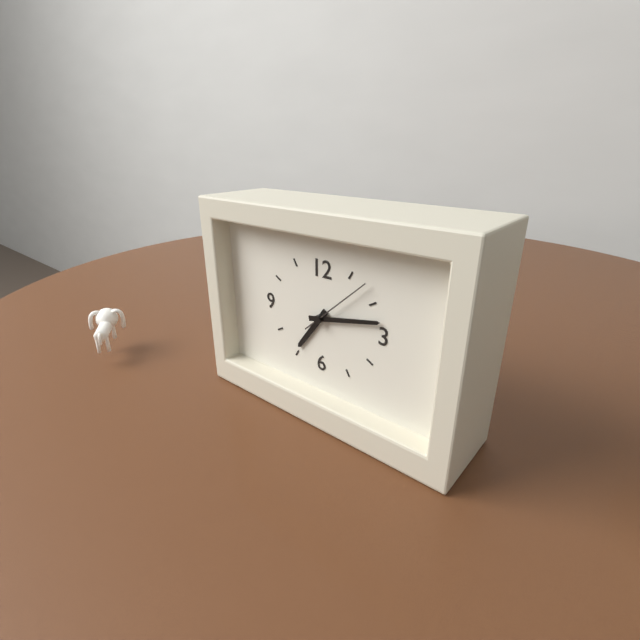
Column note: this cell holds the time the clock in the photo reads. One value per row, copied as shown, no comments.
7:13:08
